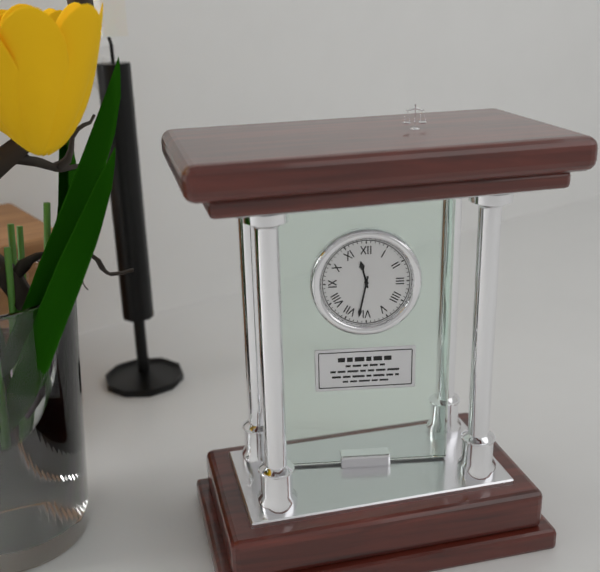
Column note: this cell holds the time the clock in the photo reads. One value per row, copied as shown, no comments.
11:32
